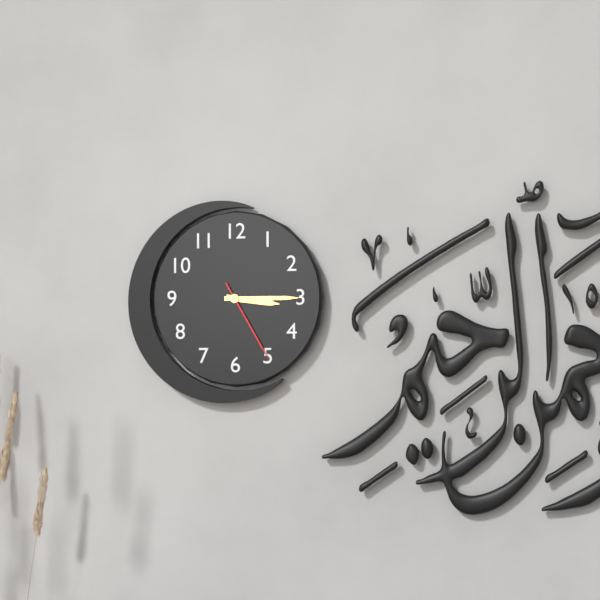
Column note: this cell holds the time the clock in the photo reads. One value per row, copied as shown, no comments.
3:15:25
